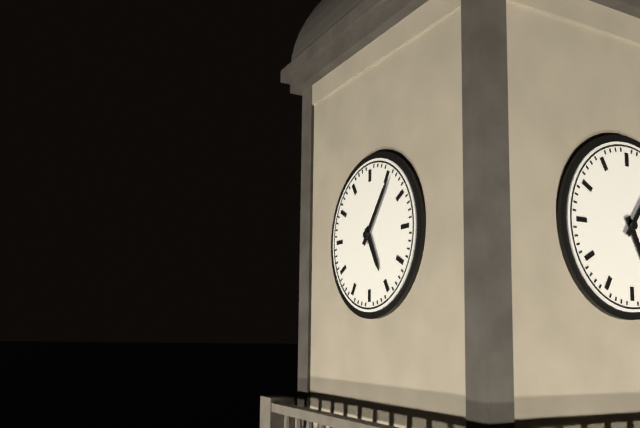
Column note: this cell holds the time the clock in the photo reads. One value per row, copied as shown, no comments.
5:06
